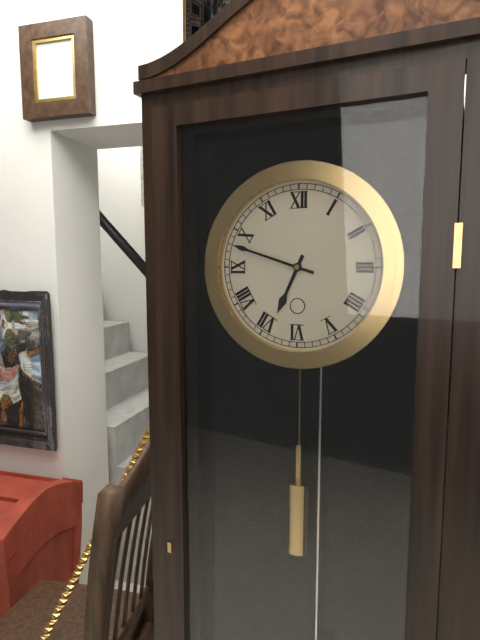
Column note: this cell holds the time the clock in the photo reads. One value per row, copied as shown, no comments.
6:48
